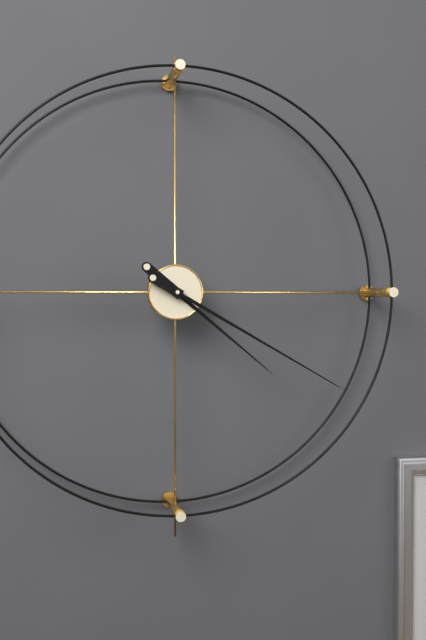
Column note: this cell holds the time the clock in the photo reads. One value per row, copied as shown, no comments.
4:20
